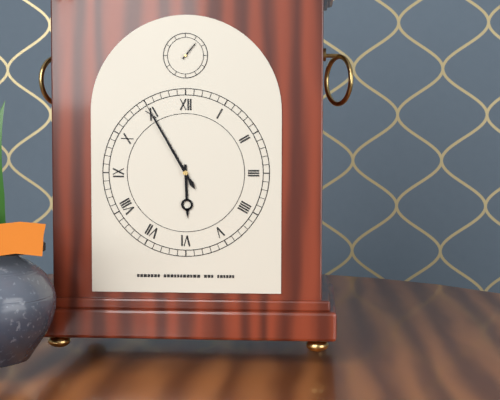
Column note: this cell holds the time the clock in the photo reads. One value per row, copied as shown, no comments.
5:55
